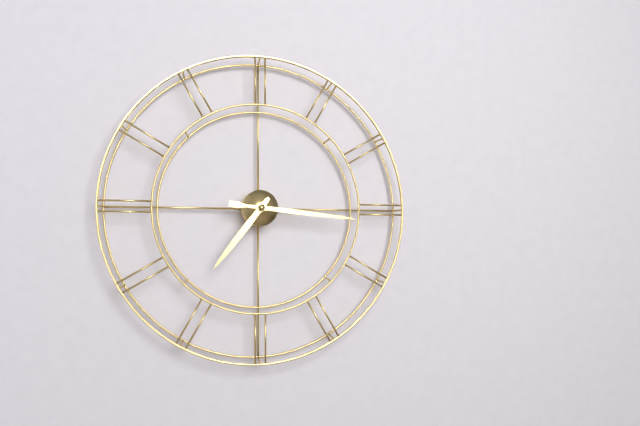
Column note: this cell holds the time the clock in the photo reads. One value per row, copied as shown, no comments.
7:16
